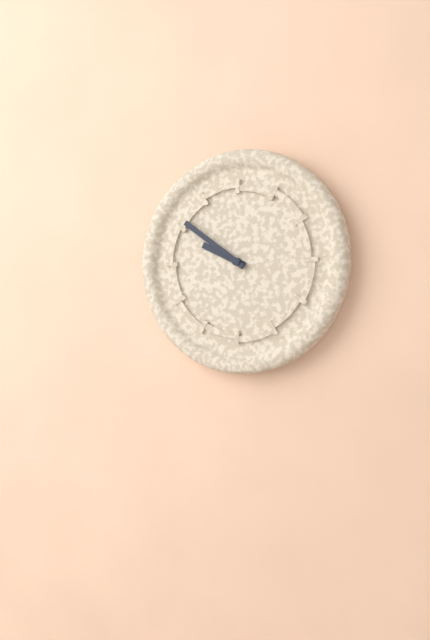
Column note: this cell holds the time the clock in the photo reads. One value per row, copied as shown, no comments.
9:51
